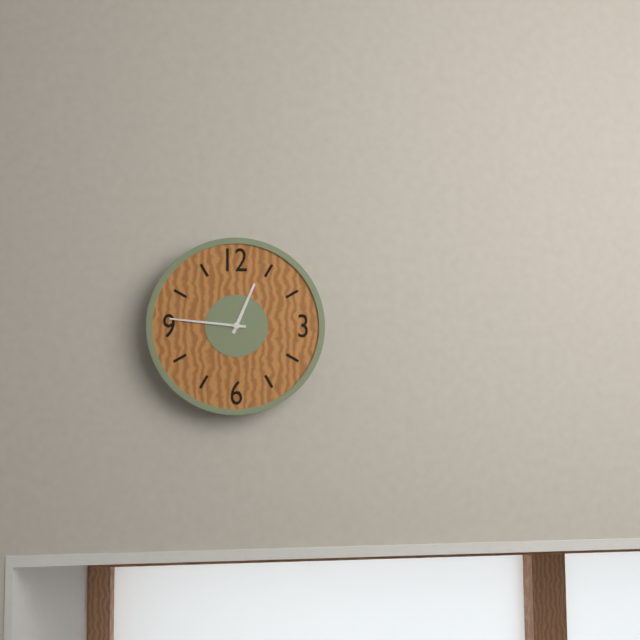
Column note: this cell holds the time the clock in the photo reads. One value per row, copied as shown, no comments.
12:46
